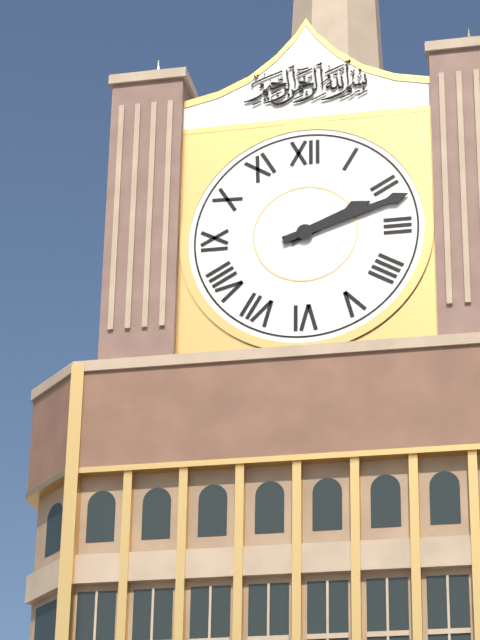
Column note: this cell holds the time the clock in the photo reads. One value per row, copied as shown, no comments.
2:12
